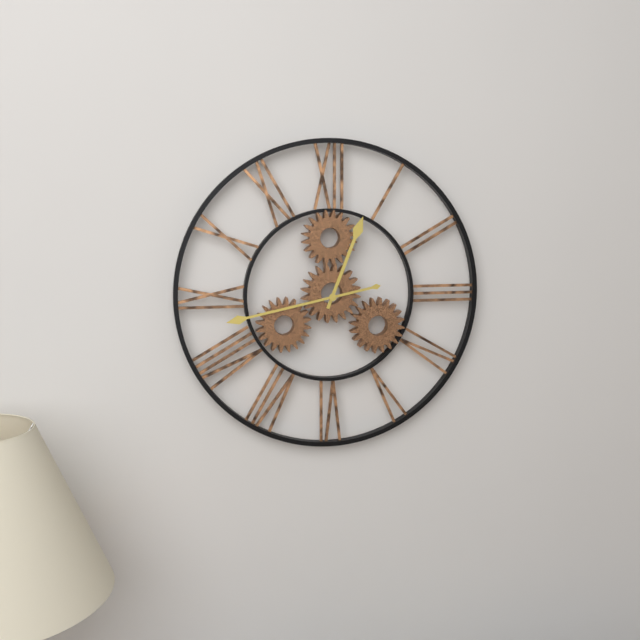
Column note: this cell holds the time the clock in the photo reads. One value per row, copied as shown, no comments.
12:43
